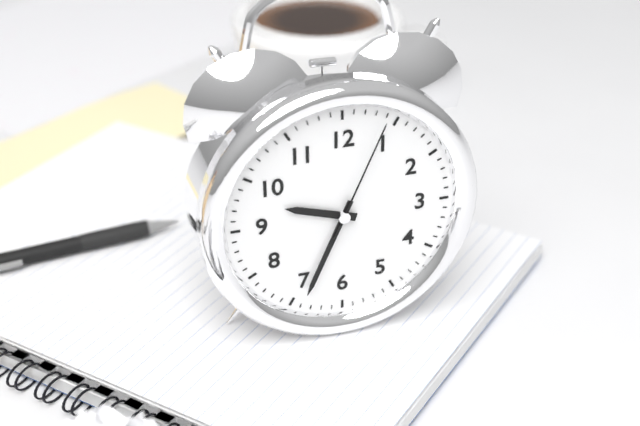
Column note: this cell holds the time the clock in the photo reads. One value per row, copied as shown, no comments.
9:34:04
